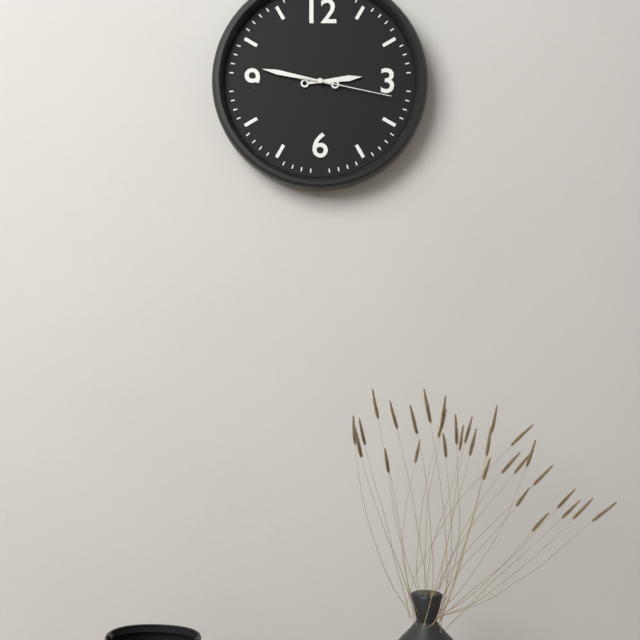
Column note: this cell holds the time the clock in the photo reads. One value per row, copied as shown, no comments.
2:47:17
